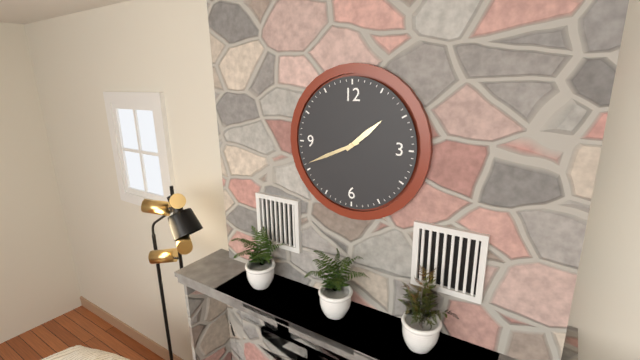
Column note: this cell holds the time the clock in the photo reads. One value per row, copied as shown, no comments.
1:41
